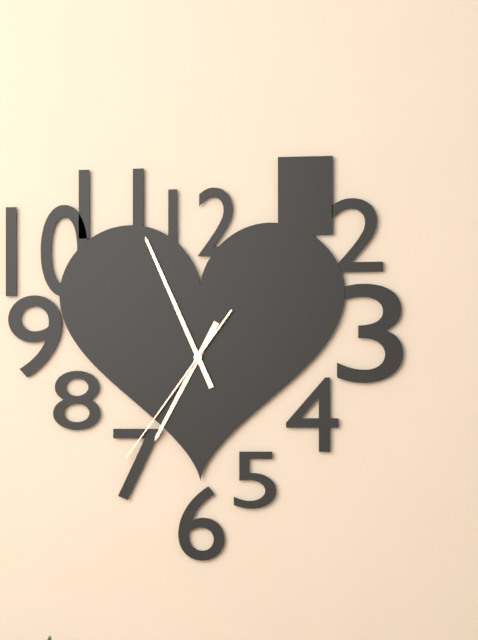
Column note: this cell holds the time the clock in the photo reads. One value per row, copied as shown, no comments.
6:56:36
